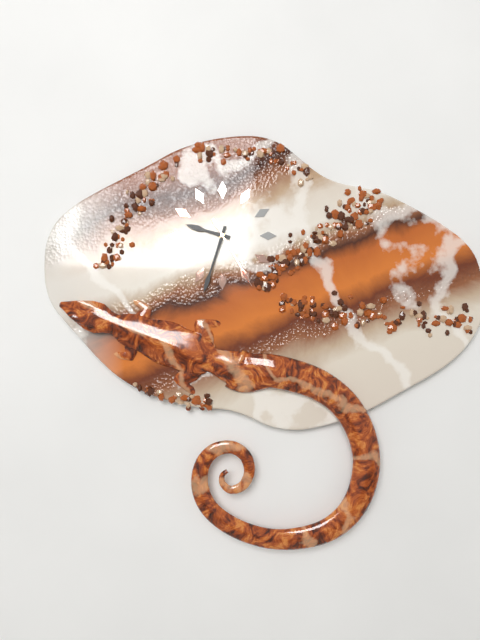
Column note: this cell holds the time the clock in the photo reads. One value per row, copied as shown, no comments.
9:33:25
